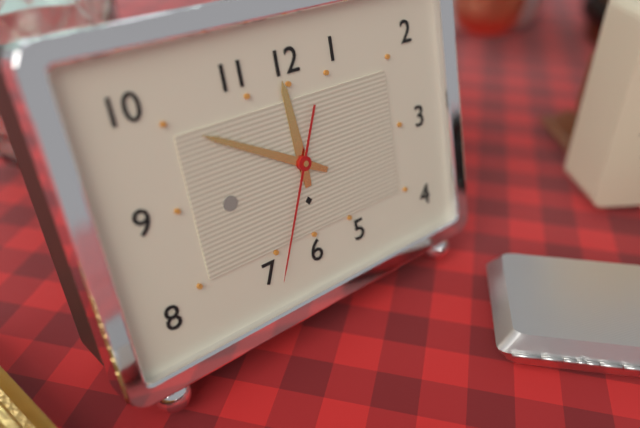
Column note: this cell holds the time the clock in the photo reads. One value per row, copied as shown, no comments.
11:50:34
